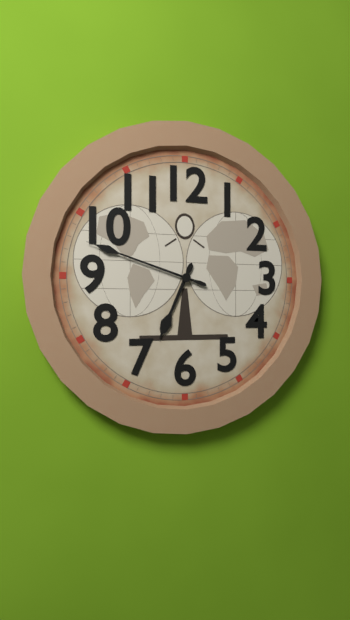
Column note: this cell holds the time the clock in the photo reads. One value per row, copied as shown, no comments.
6:48
